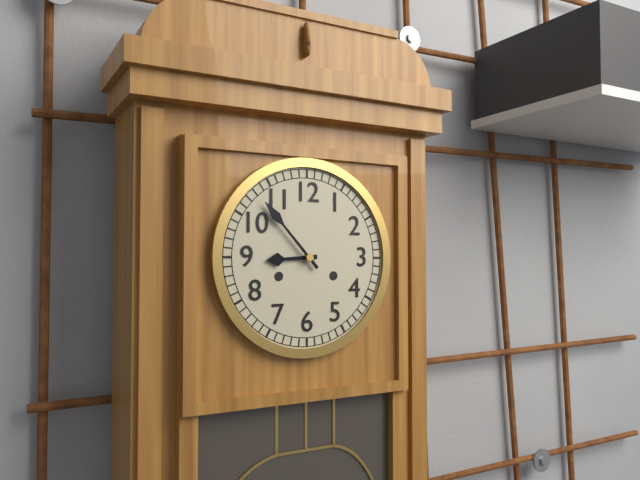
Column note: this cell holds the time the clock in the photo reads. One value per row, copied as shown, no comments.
8:53
